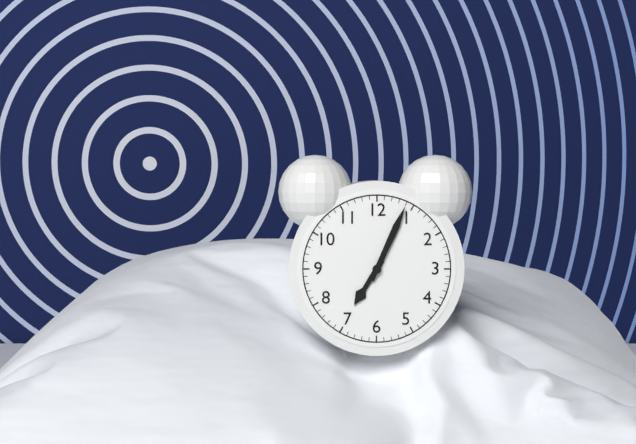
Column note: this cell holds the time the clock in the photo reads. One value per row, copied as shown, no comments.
7:04
